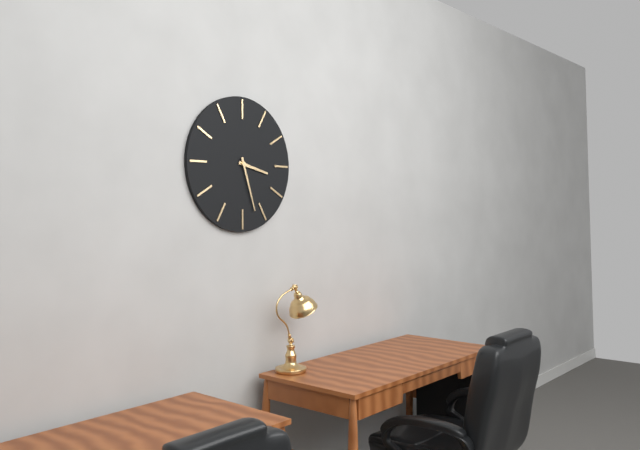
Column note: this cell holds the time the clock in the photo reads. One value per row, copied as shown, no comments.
3:27
